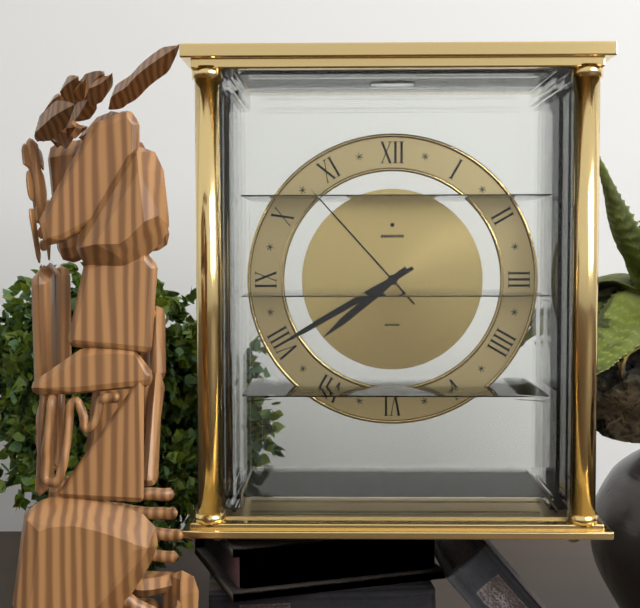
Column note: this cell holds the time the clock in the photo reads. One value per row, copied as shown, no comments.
7:40:53
